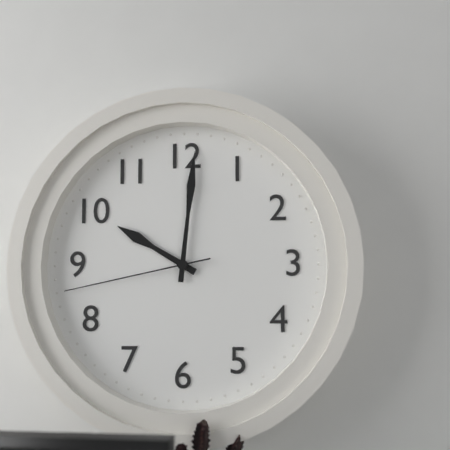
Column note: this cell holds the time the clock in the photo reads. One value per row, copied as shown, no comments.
10:01:43
